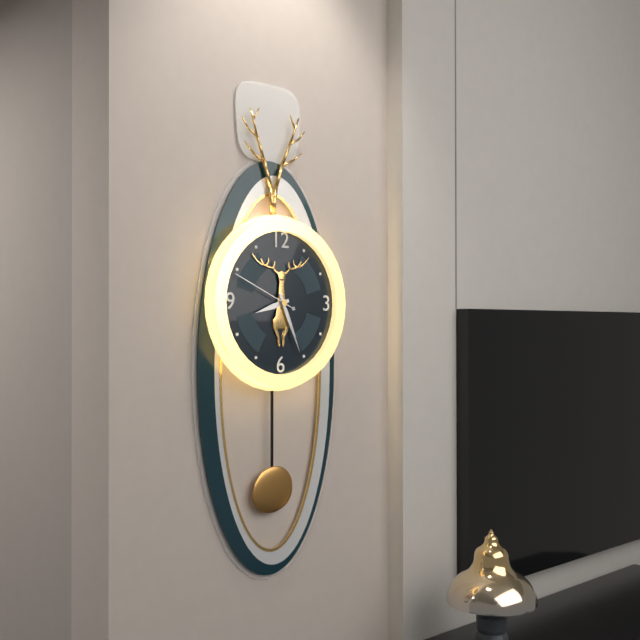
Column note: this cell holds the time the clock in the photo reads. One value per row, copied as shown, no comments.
8:26:49
